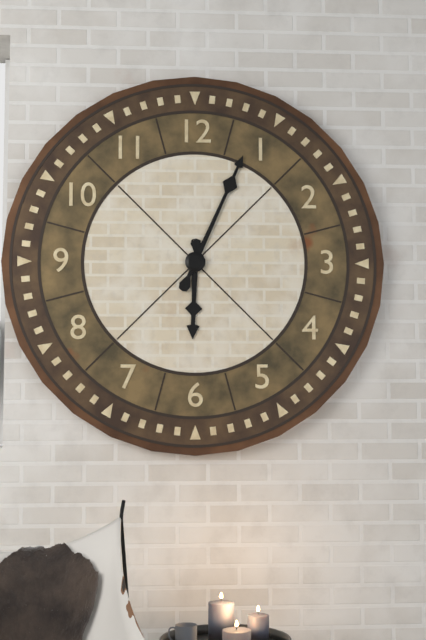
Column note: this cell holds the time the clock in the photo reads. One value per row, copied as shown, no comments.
6:04
